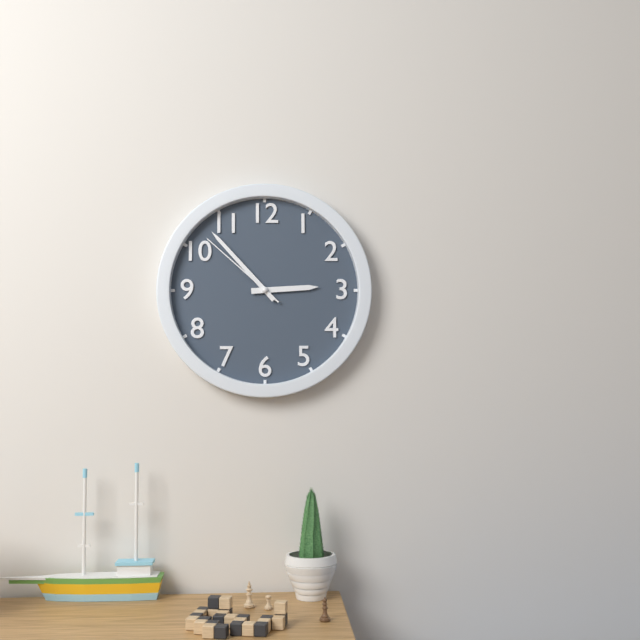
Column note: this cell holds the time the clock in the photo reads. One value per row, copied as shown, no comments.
2:53:52
